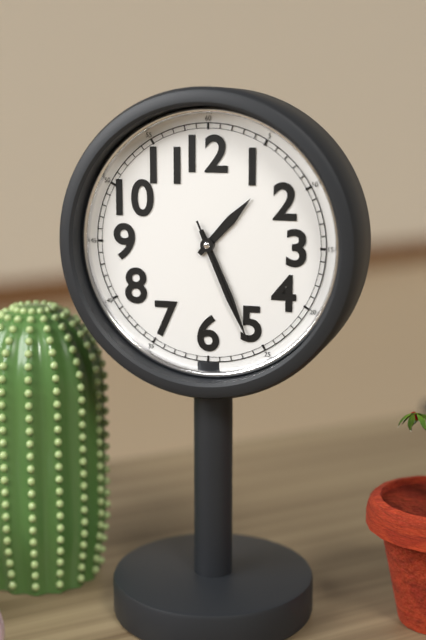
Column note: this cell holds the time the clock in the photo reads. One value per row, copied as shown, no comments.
1:26:26
